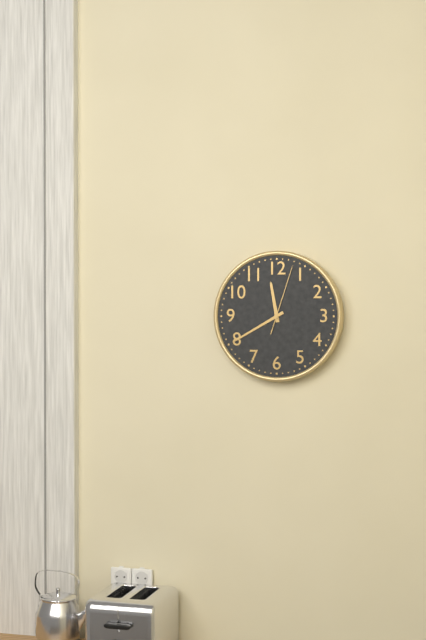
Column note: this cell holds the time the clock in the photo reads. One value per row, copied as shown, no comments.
11:40:03
